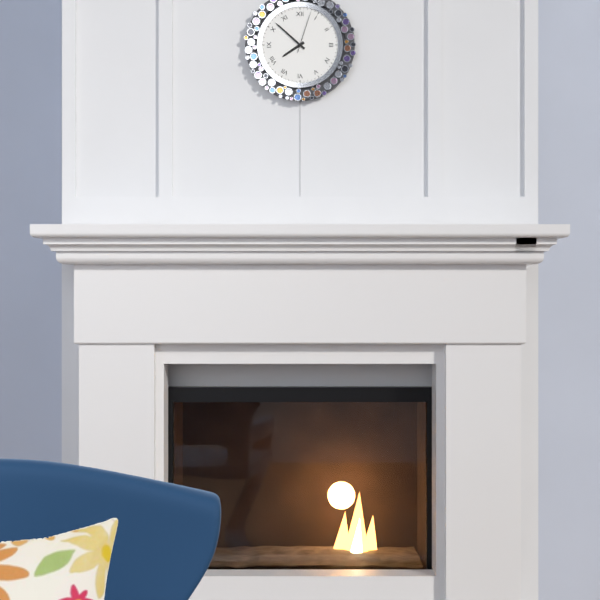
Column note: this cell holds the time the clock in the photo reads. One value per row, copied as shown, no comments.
7:52
